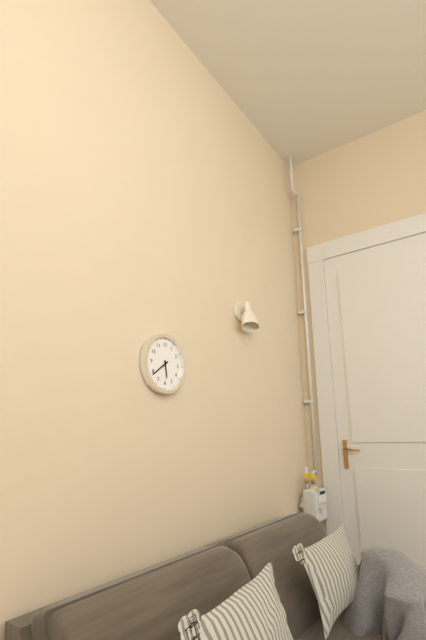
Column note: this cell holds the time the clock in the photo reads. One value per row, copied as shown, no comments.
5:39
